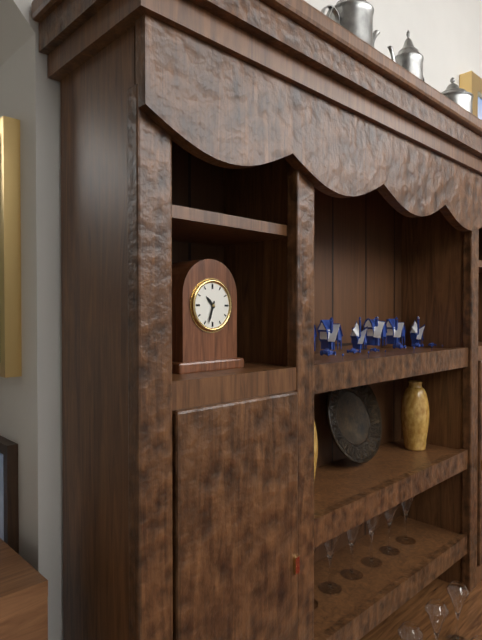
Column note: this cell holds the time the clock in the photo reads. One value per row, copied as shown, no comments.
10:33
